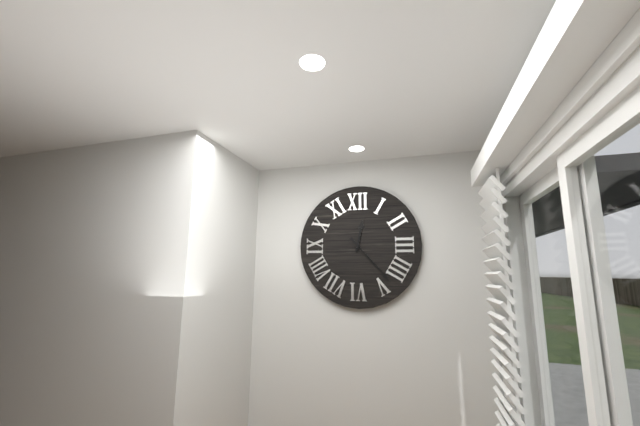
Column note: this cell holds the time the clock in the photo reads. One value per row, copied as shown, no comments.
12:23
